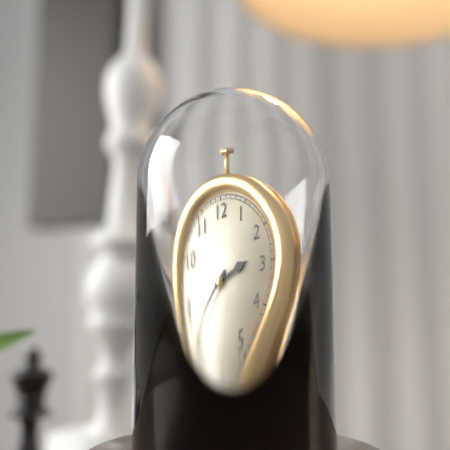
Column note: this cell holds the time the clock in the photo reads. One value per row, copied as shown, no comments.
2:40
